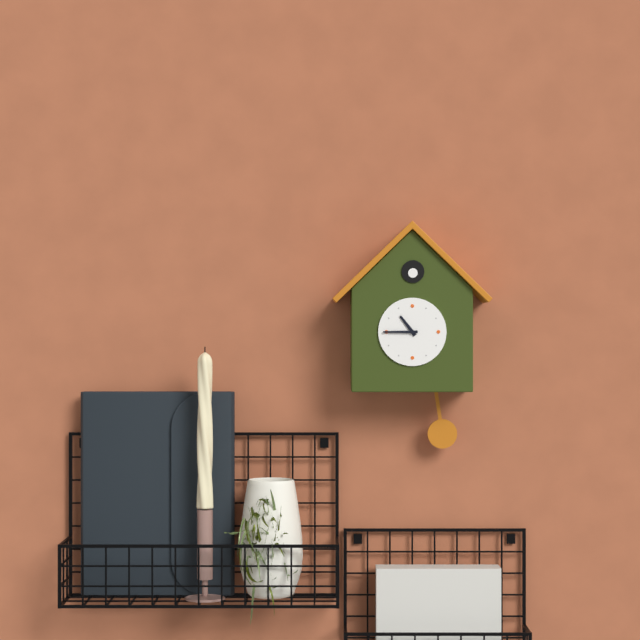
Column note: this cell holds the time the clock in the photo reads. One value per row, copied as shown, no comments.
10:45
